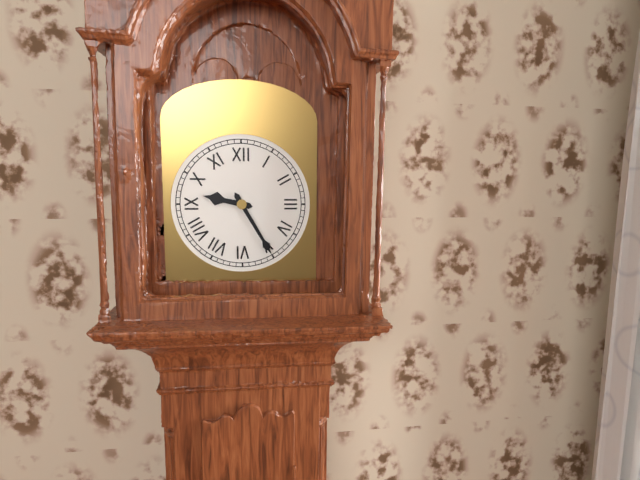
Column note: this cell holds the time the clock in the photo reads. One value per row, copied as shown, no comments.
9:25
